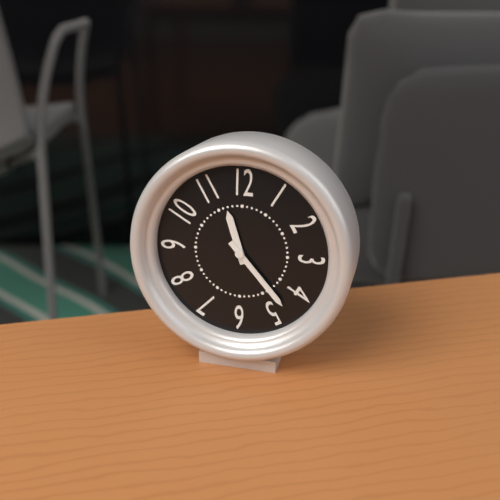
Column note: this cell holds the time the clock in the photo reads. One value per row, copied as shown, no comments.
11:23
